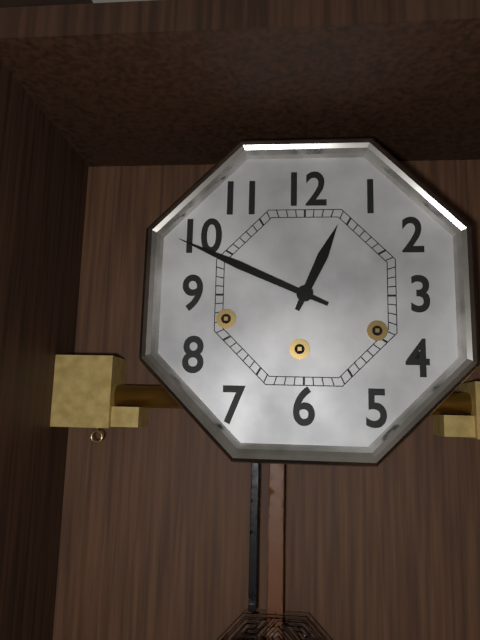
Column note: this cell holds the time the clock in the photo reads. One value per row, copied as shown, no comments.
12:49
